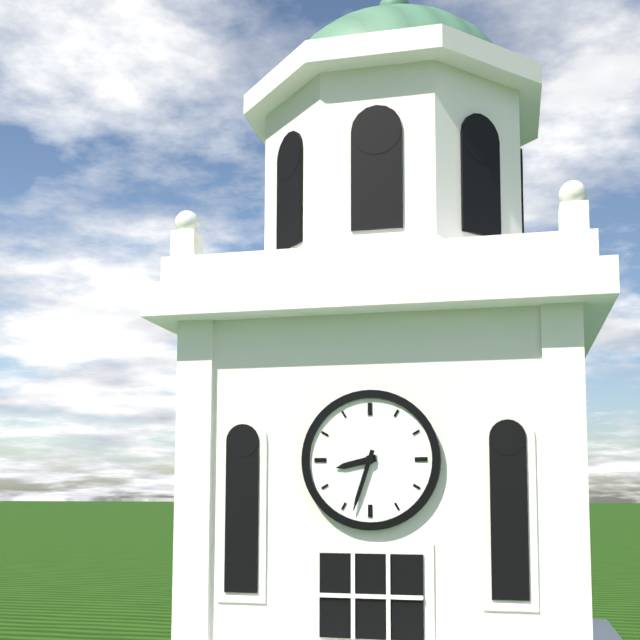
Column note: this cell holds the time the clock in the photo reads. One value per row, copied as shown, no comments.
8:33
